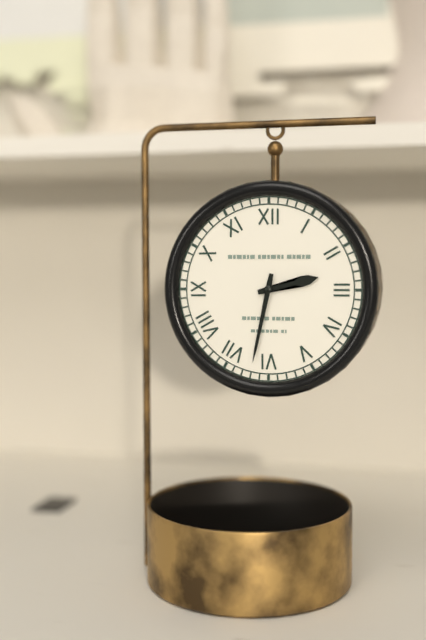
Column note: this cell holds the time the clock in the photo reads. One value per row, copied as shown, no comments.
2:32
